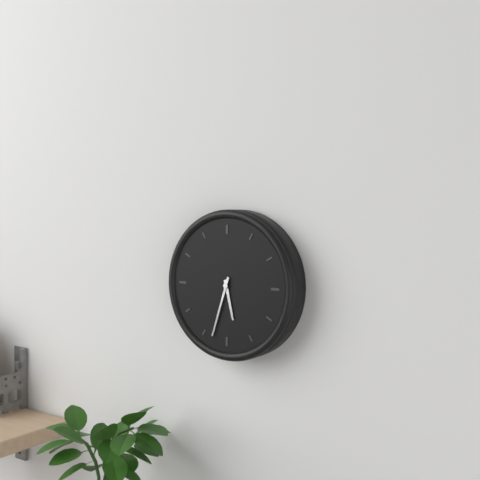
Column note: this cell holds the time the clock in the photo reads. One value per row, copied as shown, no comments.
5:33
